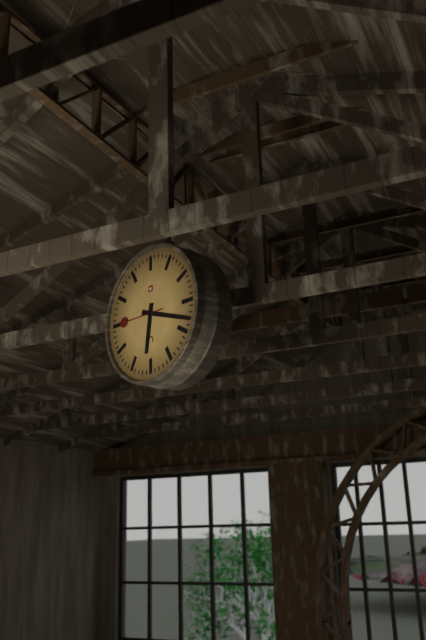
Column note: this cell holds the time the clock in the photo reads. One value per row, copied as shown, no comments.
6:18
